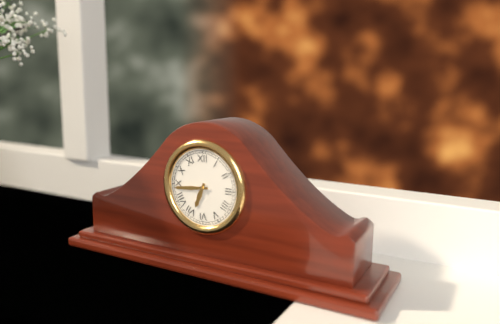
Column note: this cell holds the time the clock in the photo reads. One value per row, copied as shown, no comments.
6:44
